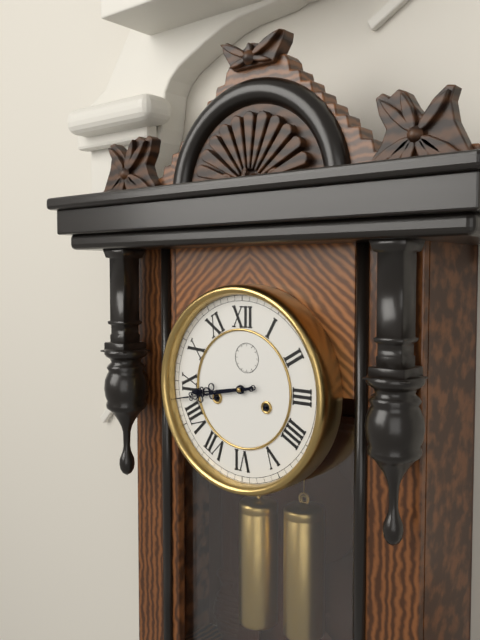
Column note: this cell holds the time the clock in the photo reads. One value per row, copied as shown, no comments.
8:43
